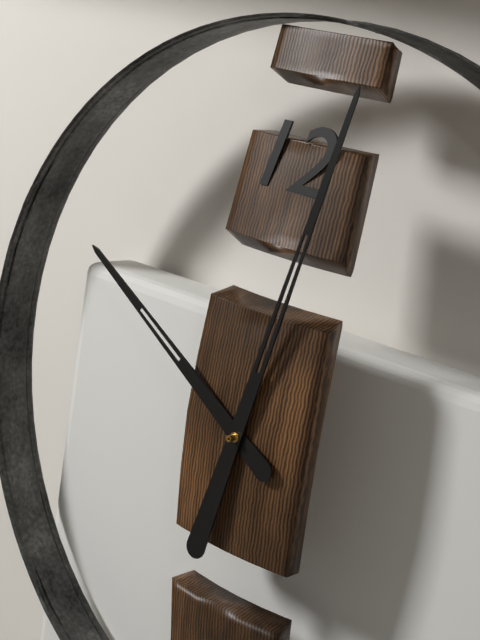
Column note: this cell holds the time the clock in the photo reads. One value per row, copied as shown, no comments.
10:02
